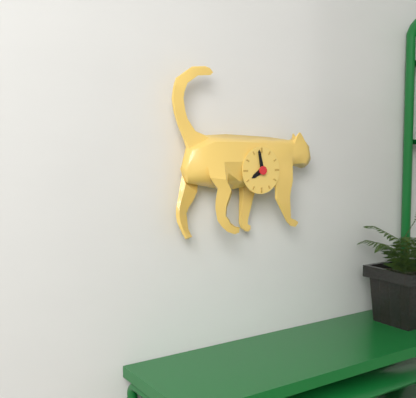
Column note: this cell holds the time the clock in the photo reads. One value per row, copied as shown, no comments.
7:58
